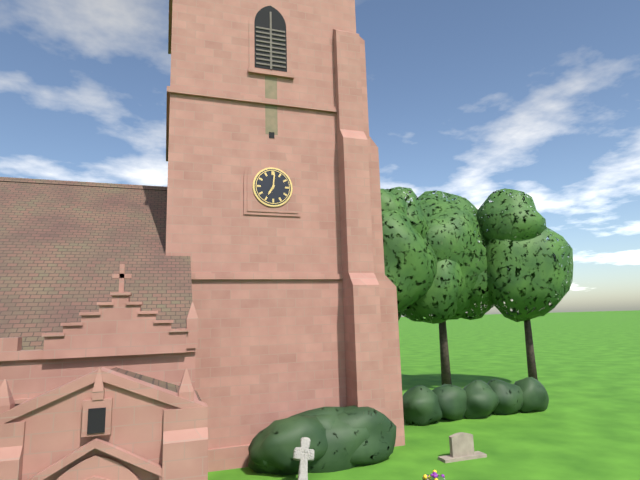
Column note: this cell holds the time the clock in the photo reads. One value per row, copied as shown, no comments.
7:01
